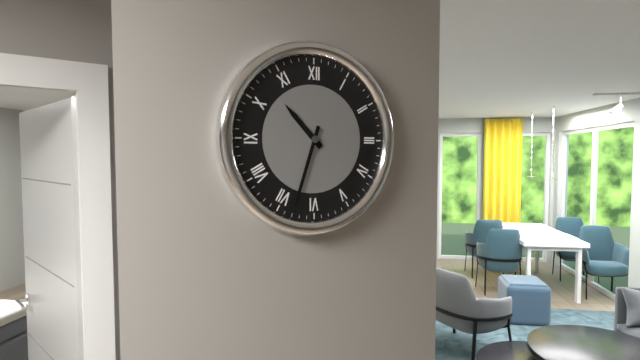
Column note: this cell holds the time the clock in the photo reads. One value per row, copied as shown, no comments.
10:33
